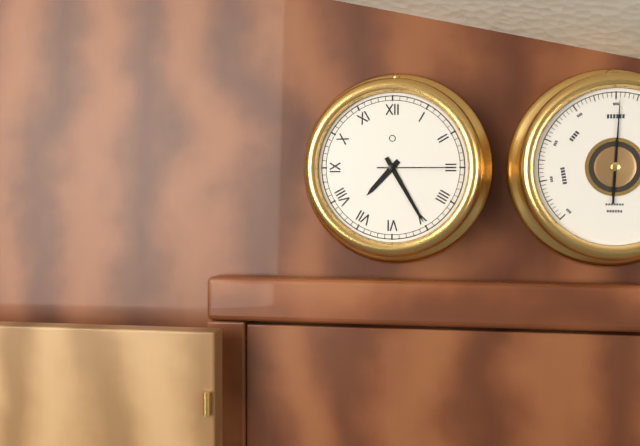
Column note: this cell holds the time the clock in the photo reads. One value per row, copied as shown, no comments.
7:25:15
